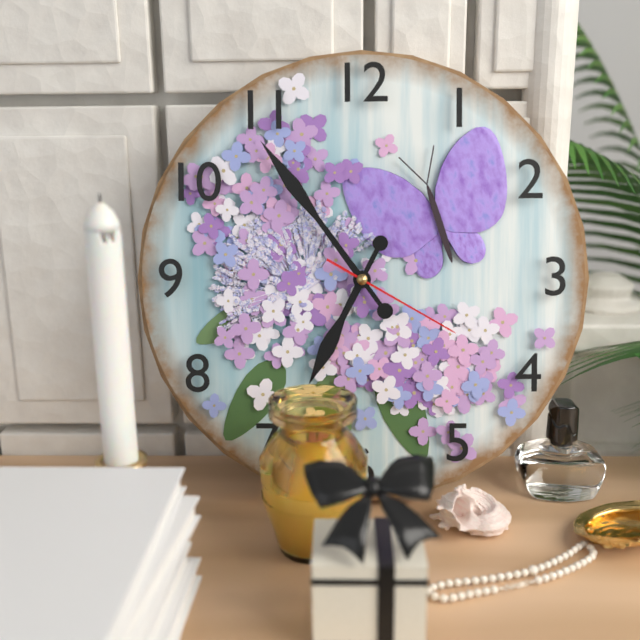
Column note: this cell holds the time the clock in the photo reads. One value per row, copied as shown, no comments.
6:54:20
